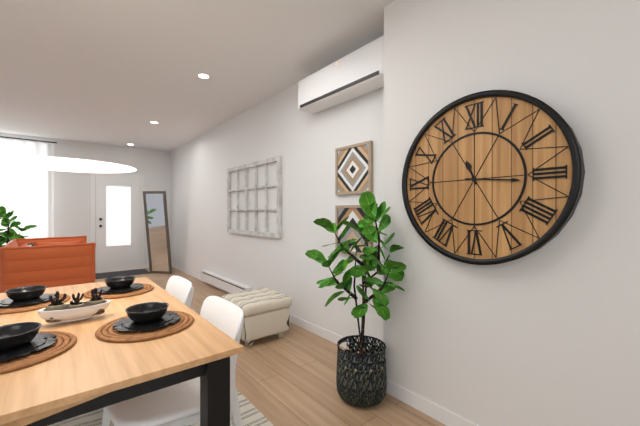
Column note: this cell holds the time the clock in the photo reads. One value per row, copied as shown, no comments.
11:16
